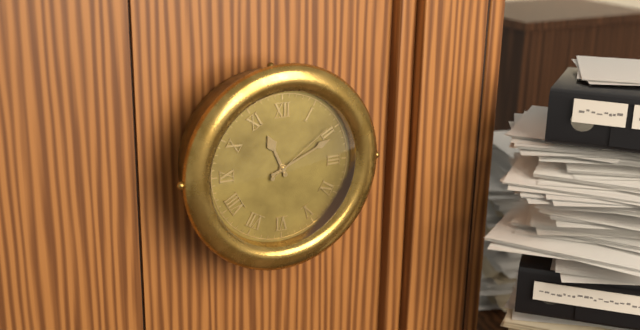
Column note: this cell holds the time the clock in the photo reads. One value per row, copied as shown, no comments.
11:11:09
